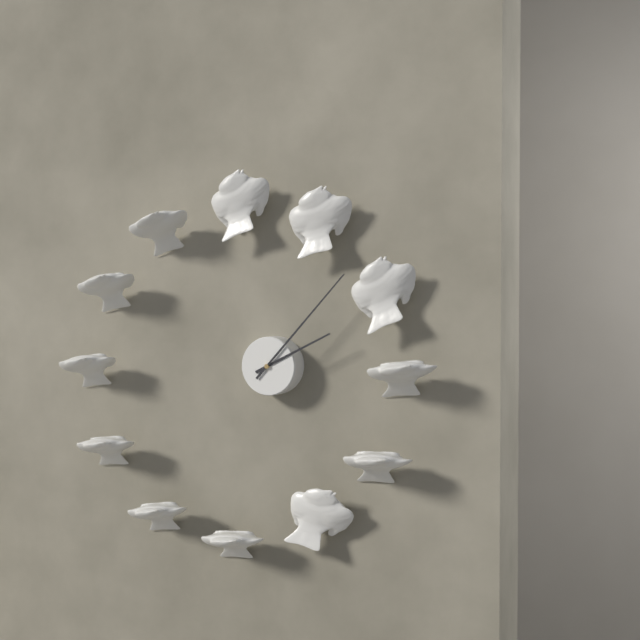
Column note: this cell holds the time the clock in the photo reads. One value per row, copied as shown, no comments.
2:07
